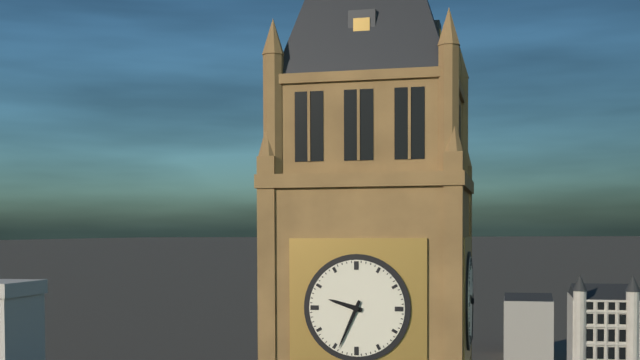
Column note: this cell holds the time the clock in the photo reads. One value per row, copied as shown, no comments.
9:34
